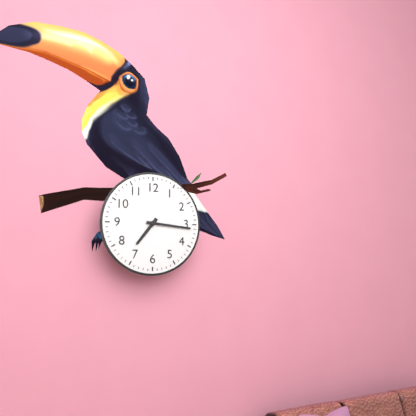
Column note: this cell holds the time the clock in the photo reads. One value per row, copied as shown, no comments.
7:16
